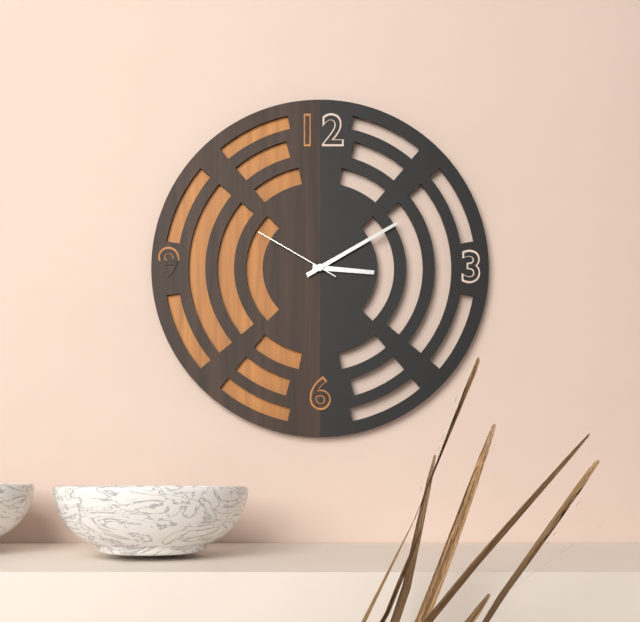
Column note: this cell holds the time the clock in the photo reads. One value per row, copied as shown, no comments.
3:10:50
